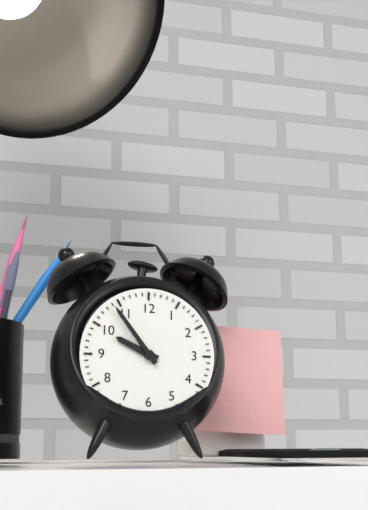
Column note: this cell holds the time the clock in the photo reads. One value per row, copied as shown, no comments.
9:54
